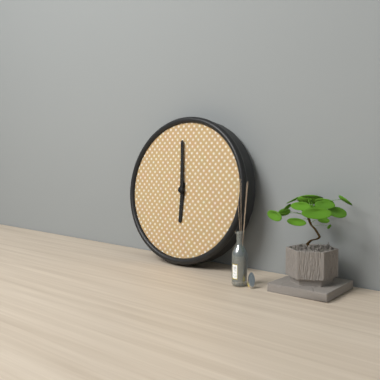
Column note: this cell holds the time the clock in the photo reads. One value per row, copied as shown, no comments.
5:59
